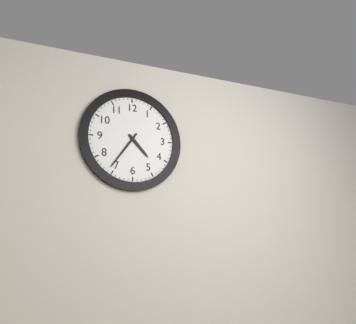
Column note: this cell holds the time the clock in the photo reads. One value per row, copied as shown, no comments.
4:36
